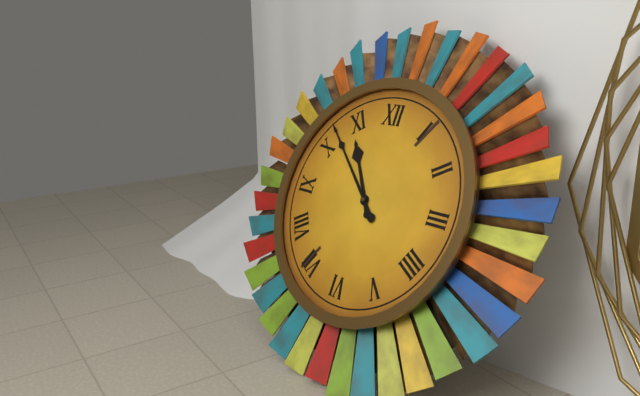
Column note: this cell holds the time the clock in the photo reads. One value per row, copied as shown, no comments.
10:52
